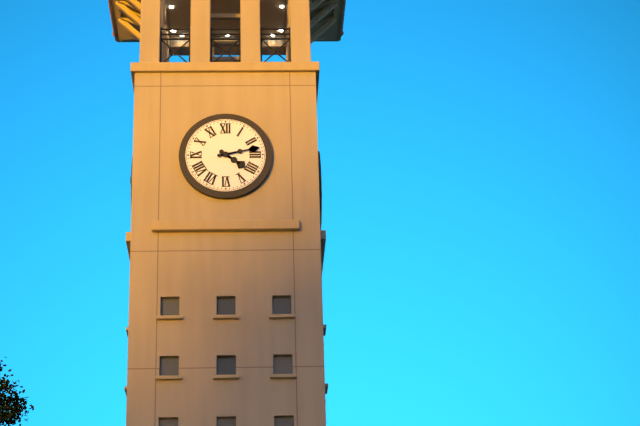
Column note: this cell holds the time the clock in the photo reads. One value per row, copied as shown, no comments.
4:13
